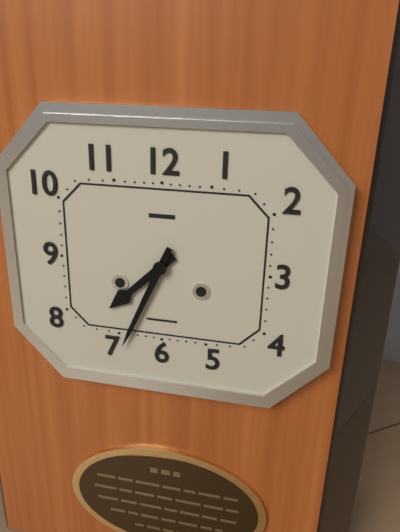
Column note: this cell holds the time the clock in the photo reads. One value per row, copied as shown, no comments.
7:34
